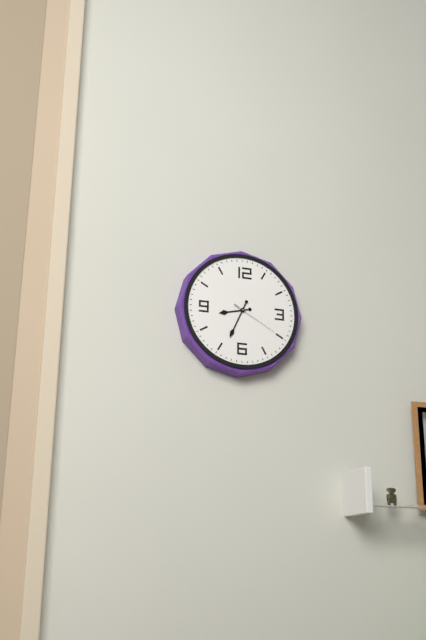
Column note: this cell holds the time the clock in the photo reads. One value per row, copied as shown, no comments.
8:34
